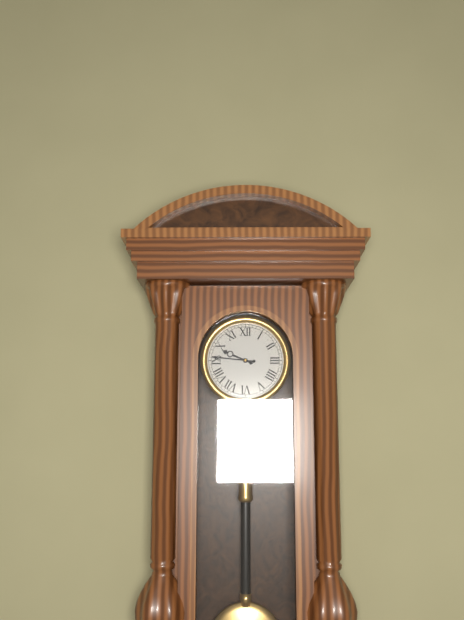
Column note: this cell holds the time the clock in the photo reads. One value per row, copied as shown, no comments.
9:46
